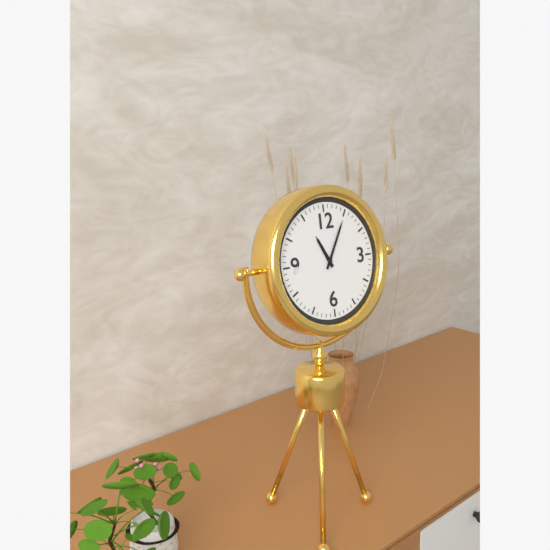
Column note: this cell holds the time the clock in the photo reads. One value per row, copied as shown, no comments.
11:05
